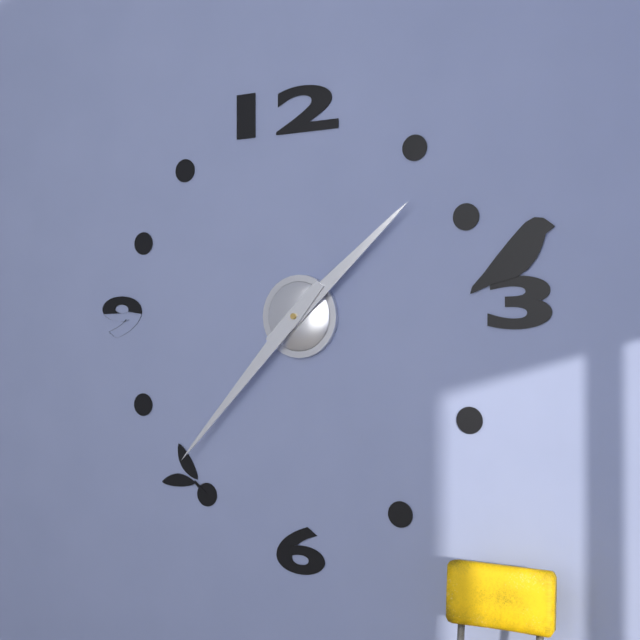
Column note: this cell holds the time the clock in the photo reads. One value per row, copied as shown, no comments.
1:37
